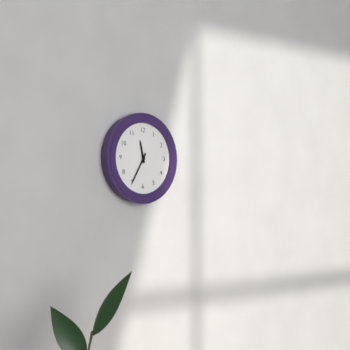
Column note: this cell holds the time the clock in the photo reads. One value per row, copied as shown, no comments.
11:35
